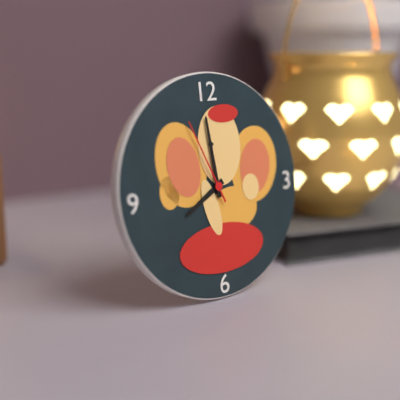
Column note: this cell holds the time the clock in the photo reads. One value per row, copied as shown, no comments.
7:59:56
